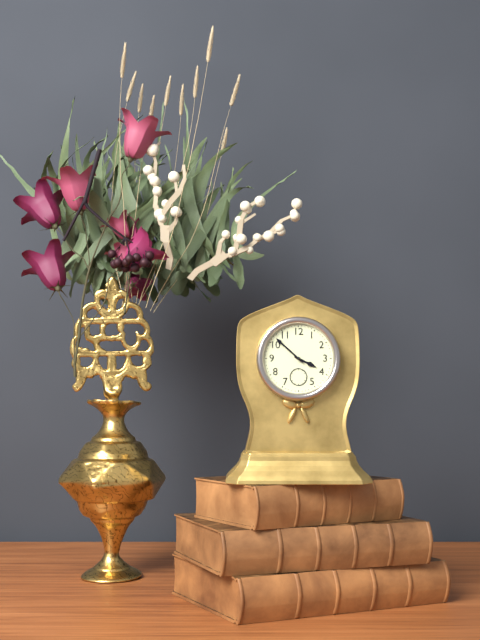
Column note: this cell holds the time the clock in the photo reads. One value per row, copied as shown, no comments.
3:52
